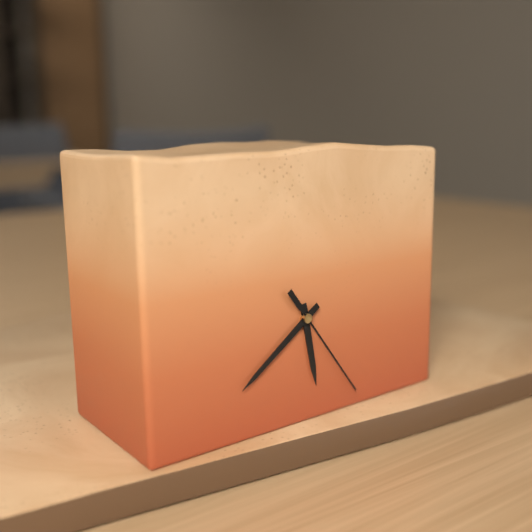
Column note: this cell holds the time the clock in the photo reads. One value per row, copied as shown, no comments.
5:39:24
